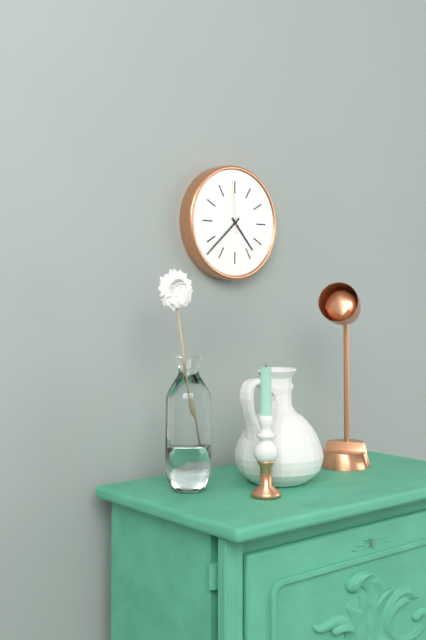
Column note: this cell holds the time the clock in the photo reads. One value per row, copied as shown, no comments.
4:38:59
